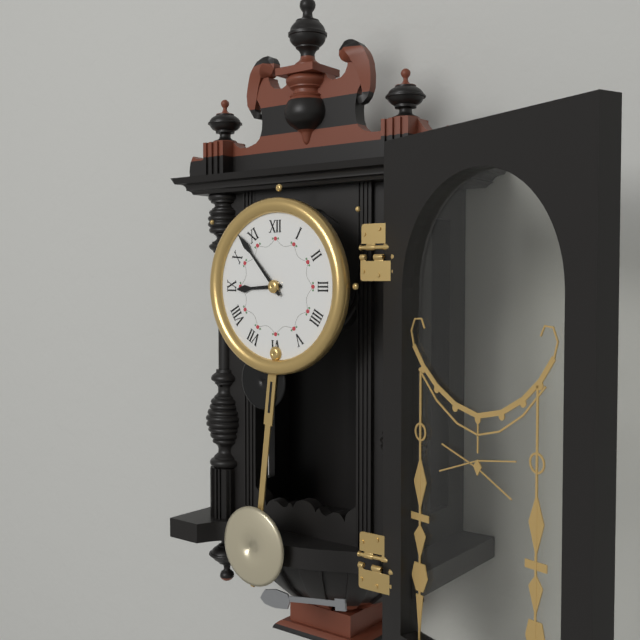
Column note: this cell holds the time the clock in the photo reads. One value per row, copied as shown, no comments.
8:53
